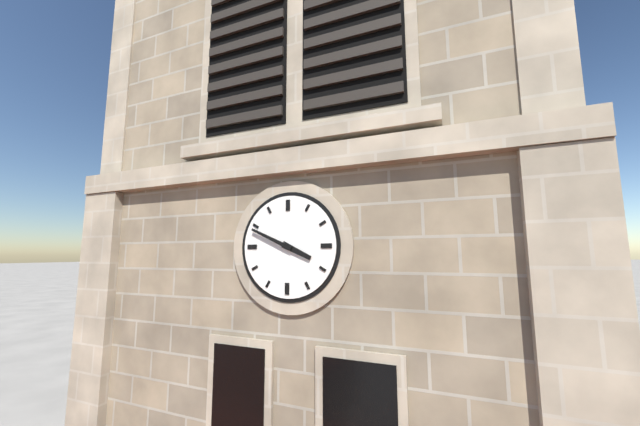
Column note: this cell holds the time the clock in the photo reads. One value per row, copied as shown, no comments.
3:49
